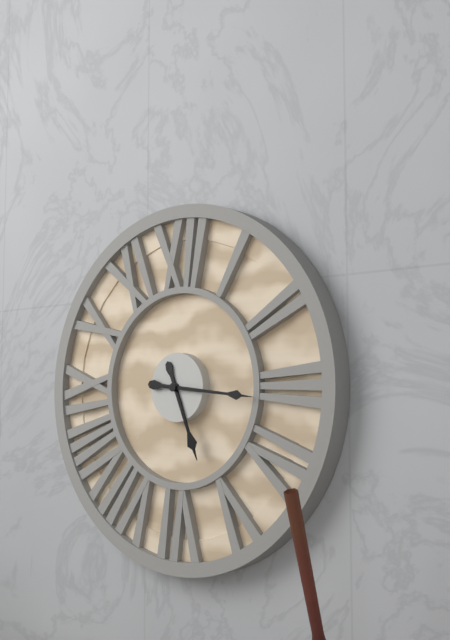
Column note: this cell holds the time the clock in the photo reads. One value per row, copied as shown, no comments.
5:16
